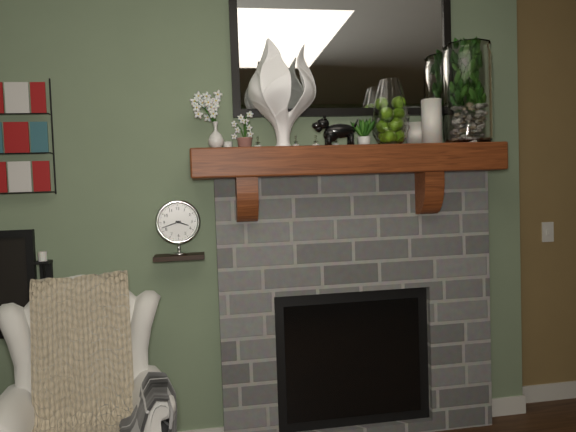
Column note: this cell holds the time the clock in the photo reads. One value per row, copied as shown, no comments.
3:42
